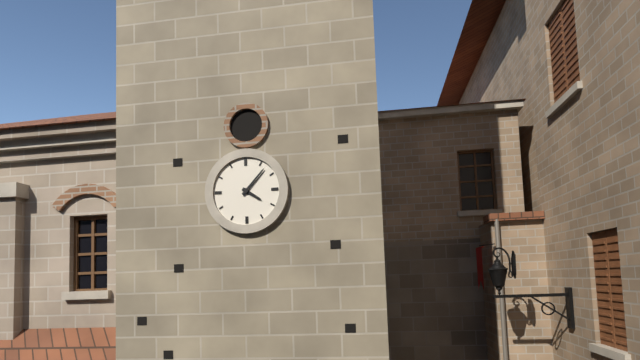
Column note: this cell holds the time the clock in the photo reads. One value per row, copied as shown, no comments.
4:07
